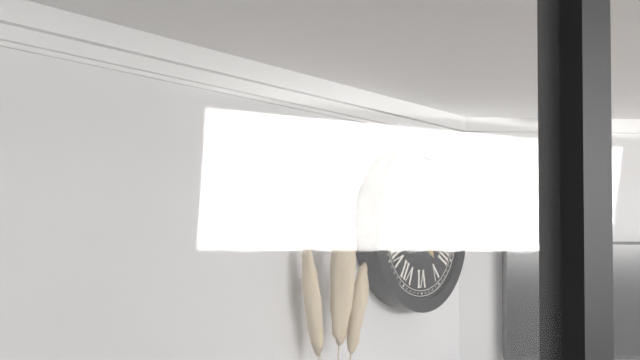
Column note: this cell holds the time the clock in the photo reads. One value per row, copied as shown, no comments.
4:47
